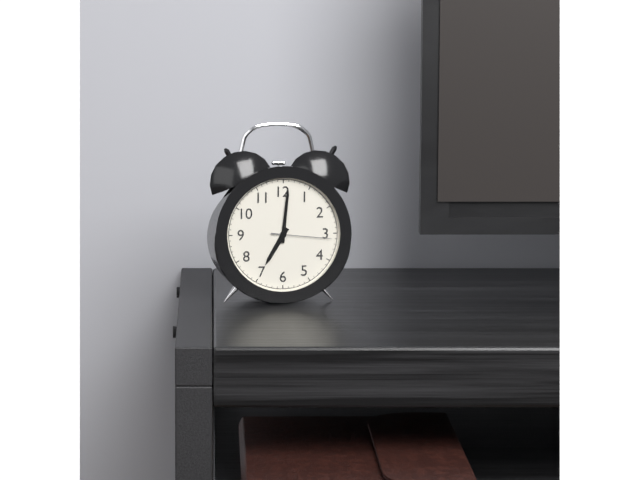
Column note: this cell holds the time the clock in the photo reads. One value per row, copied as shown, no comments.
7:01:16
